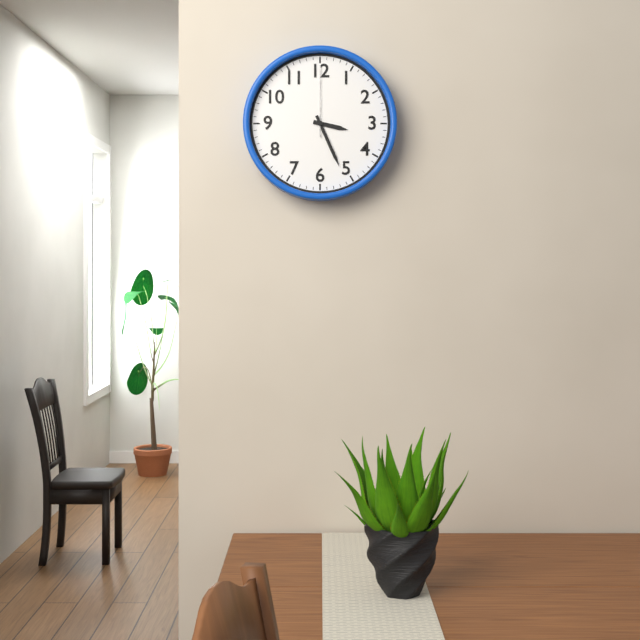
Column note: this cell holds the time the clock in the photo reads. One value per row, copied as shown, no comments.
3:26:00
